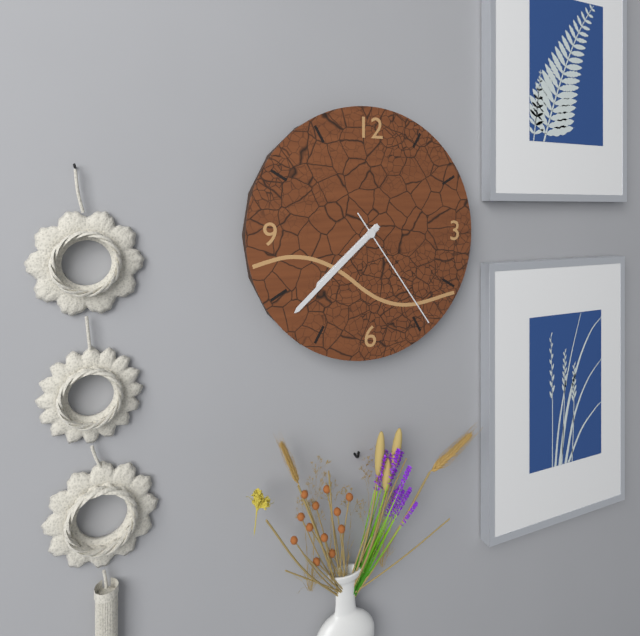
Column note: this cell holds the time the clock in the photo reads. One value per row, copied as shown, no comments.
7:38:24
